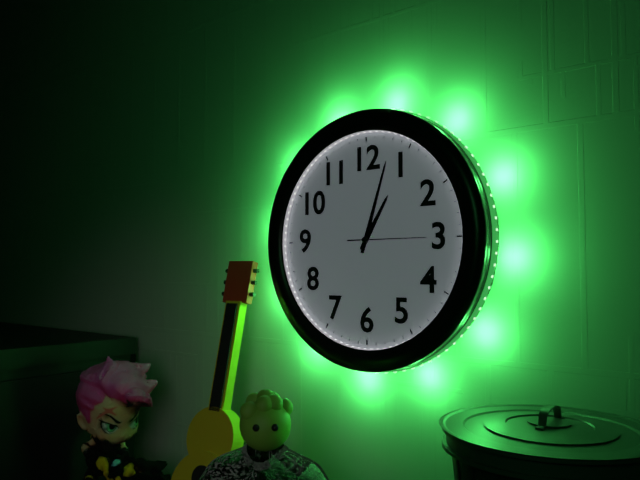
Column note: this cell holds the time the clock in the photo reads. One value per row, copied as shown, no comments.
1:03:15
